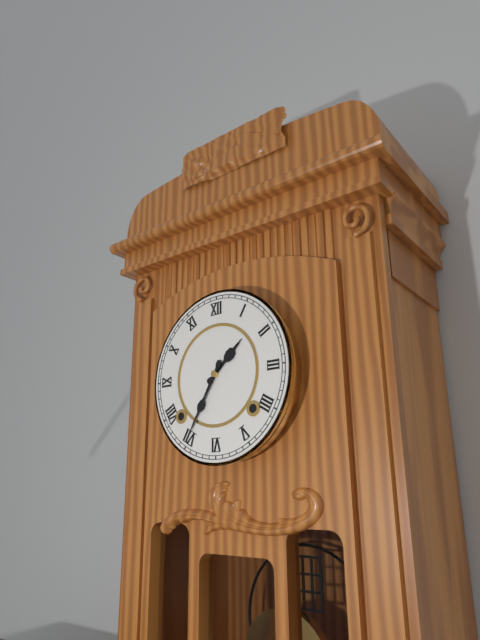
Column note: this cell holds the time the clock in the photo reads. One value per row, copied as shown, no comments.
1:35
